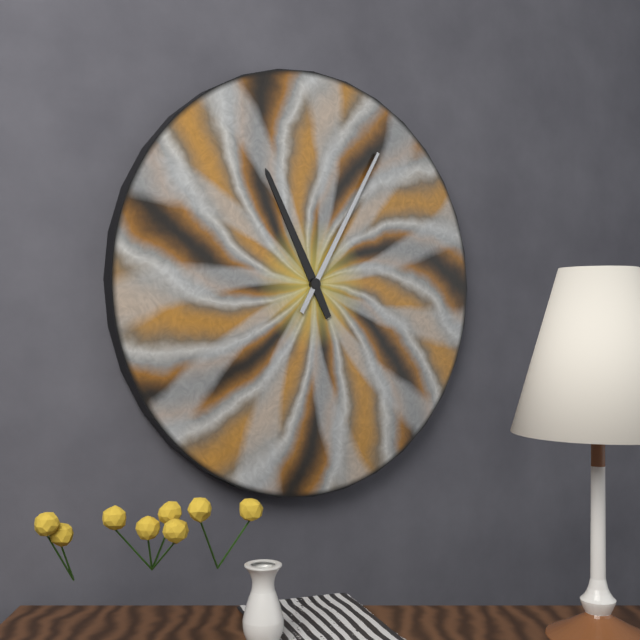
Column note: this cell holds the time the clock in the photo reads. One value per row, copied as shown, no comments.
11:05
